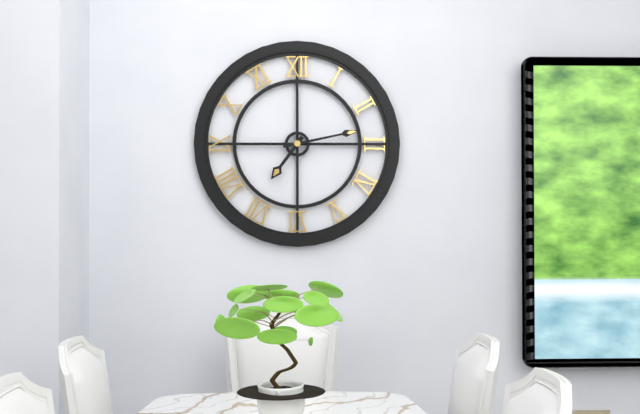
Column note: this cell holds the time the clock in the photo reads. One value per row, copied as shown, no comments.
7:13
